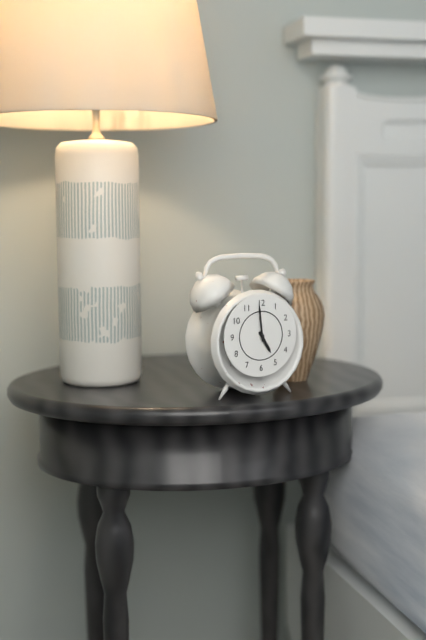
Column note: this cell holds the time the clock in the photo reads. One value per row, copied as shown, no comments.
4:59
